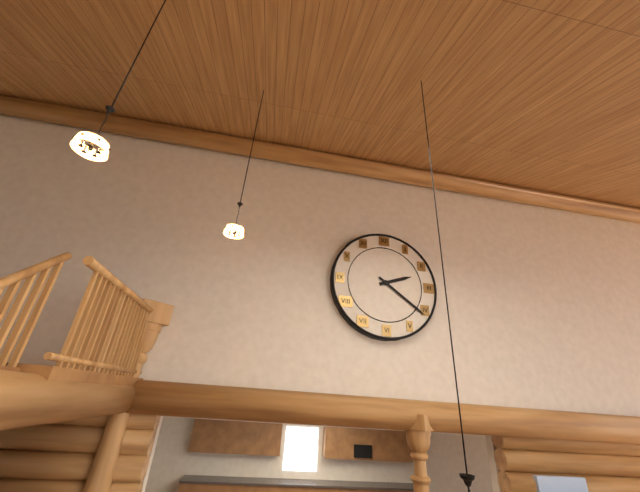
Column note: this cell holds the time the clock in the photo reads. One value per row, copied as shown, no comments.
2:21
